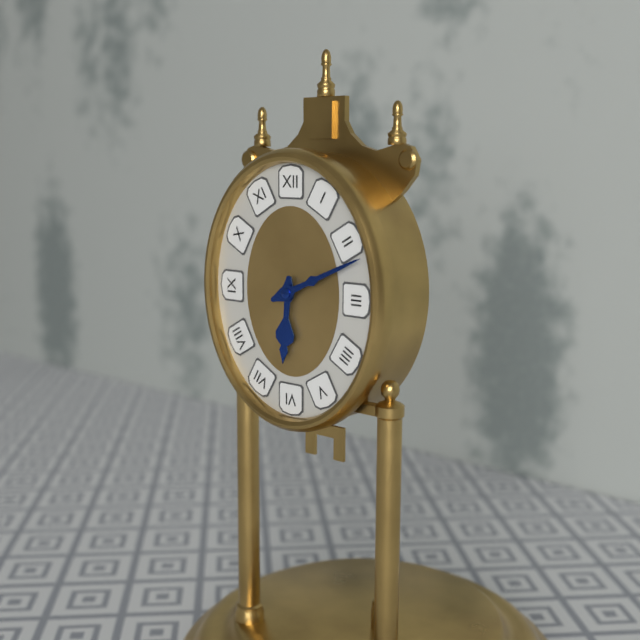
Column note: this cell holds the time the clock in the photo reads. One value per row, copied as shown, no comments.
6:11
